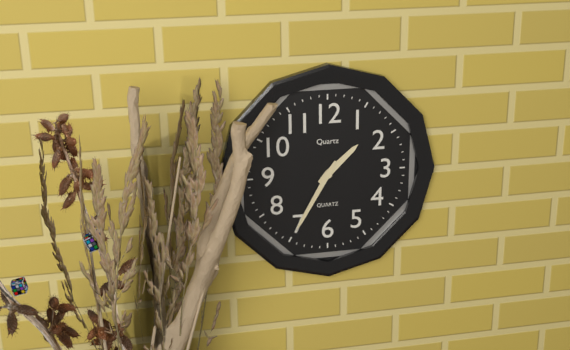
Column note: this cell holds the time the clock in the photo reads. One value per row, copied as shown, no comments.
1:35
